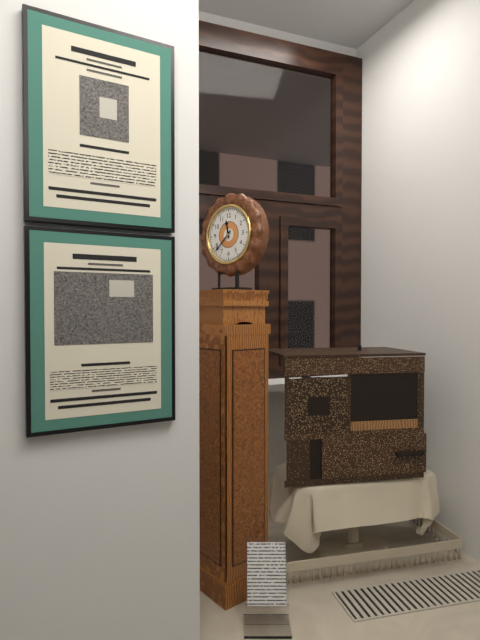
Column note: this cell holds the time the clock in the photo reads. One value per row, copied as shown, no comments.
11:38
